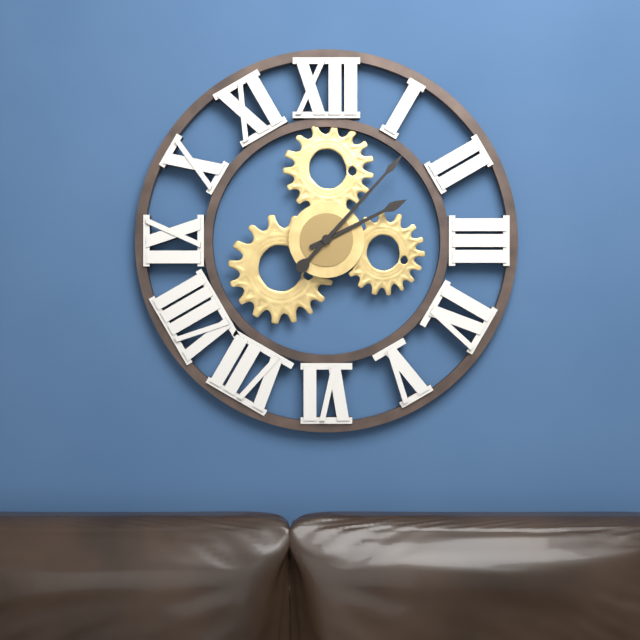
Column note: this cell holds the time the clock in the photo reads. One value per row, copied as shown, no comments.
2:07
